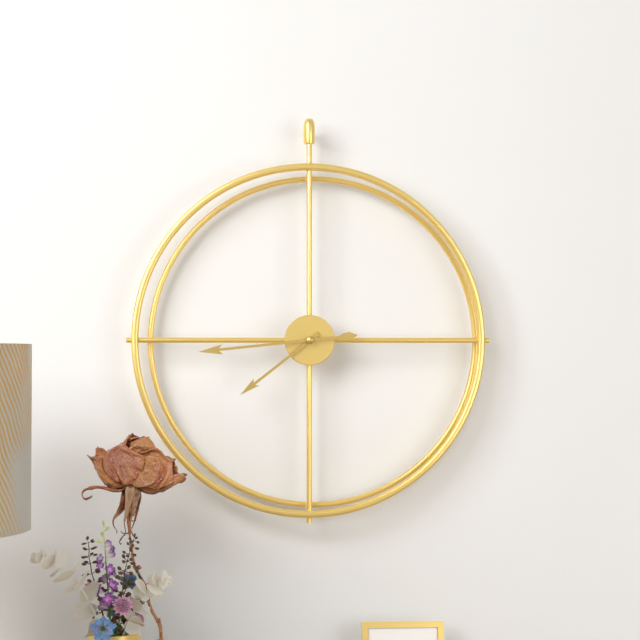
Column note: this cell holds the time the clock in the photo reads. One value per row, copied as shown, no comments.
7:44
